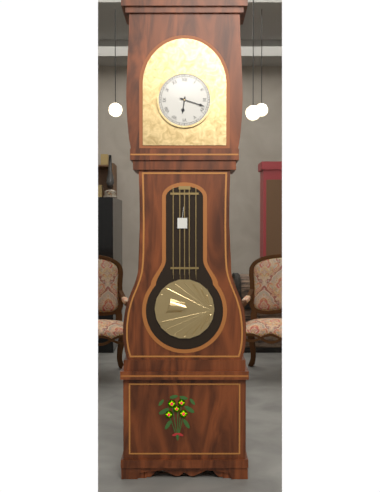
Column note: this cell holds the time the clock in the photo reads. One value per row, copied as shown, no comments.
6:18
